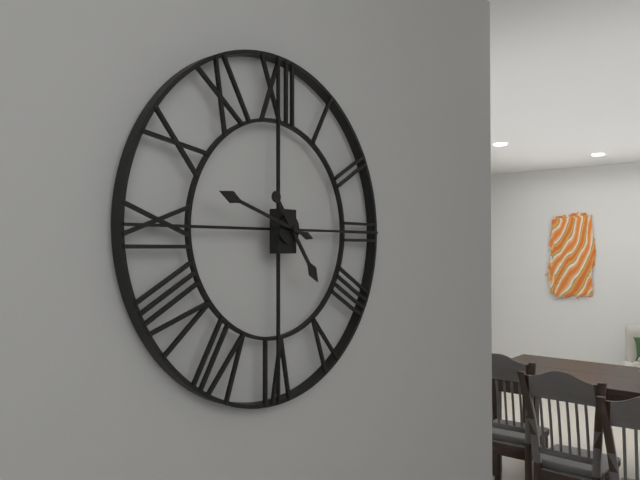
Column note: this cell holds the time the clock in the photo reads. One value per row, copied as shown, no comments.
4:48
